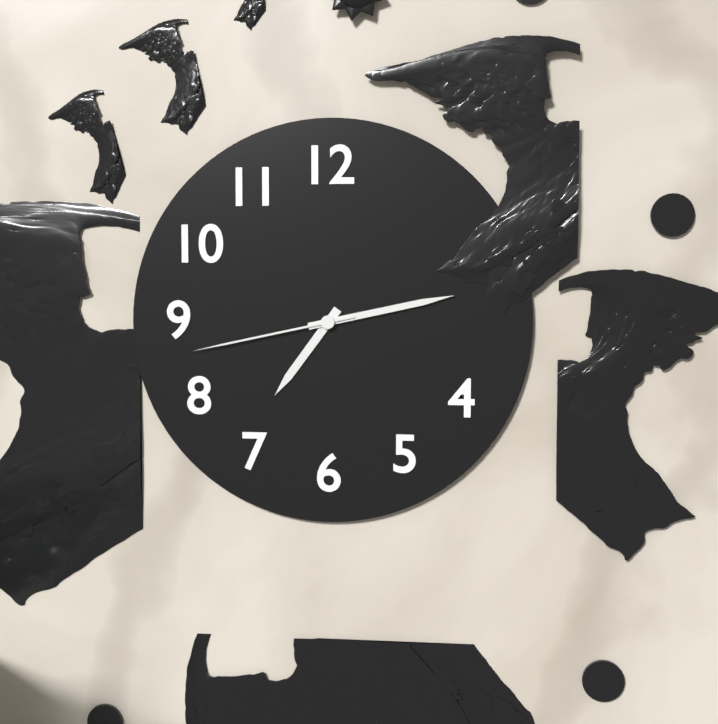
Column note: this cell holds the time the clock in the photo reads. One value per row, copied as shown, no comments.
7:13:43
